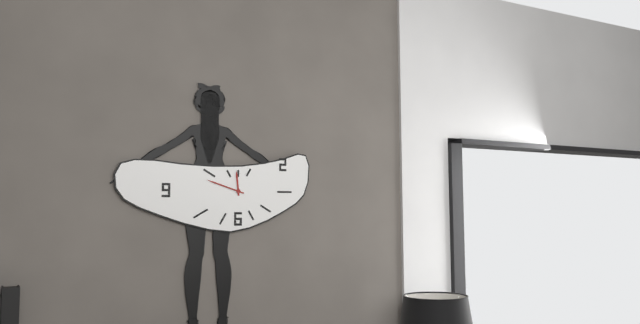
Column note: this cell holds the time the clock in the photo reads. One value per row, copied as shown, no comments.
11:48
